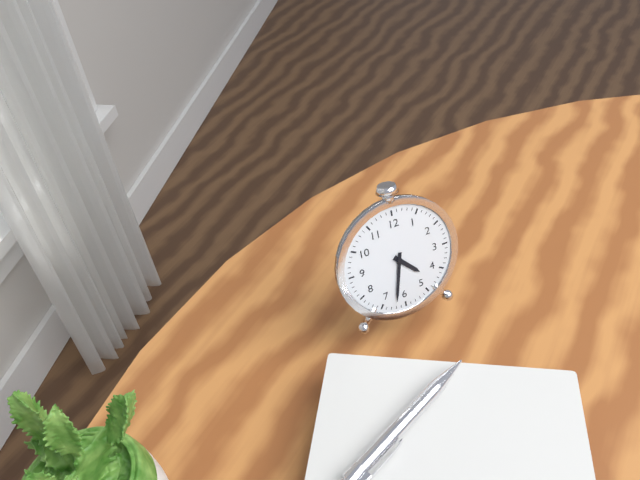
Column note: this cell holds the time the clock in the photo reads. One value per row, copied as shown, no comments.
4:32
